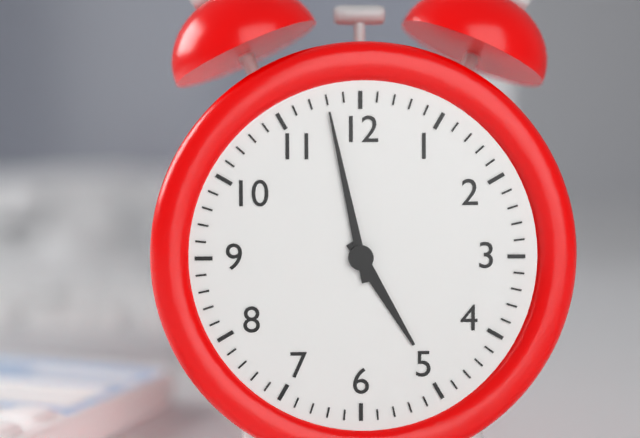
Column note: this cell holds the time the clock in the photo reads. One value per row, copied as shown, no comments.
4:58
